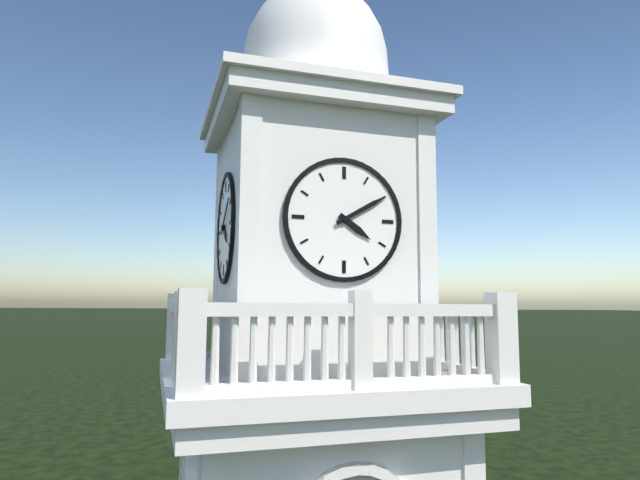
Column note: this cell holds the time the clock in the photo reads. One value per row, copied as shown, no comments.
4:10
